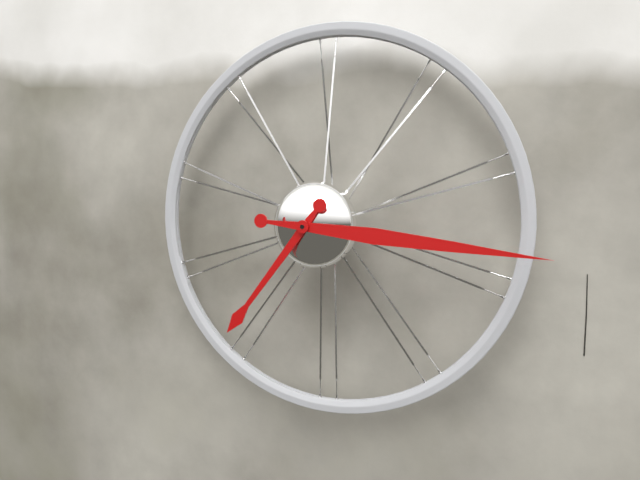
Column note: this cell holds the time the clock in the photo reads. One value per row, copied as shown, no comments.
7:16
